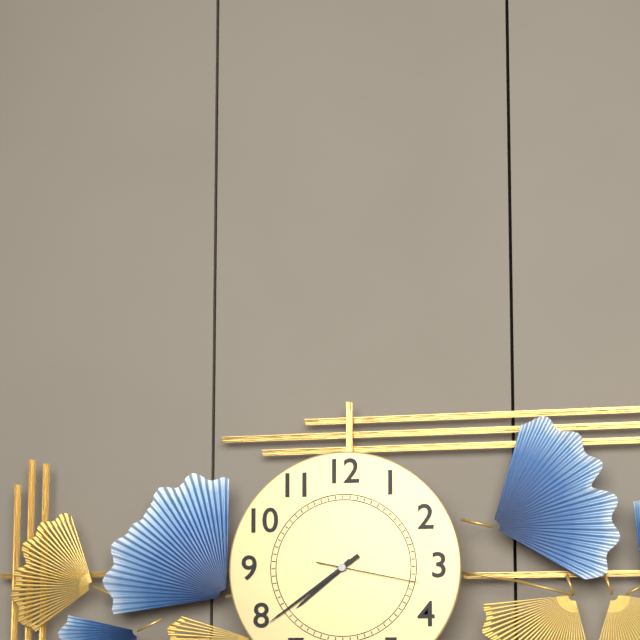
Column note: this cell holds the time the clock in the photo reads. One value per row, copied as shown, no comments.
7:39:17
